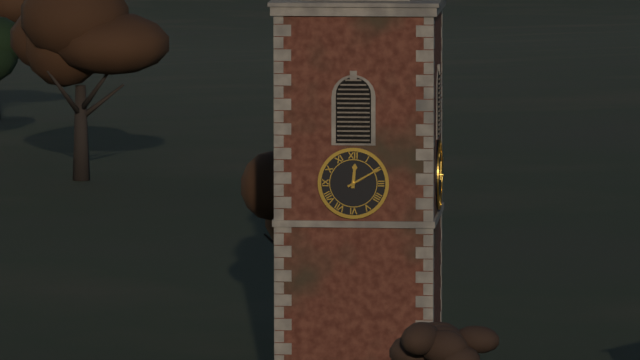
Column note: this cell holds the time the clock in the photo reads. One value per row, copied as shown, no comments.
12:10
